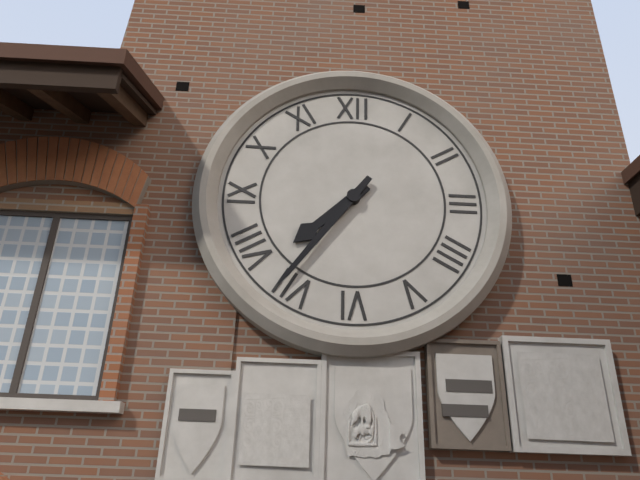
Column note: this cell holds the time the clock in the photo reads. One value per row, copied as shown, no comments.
7:36
